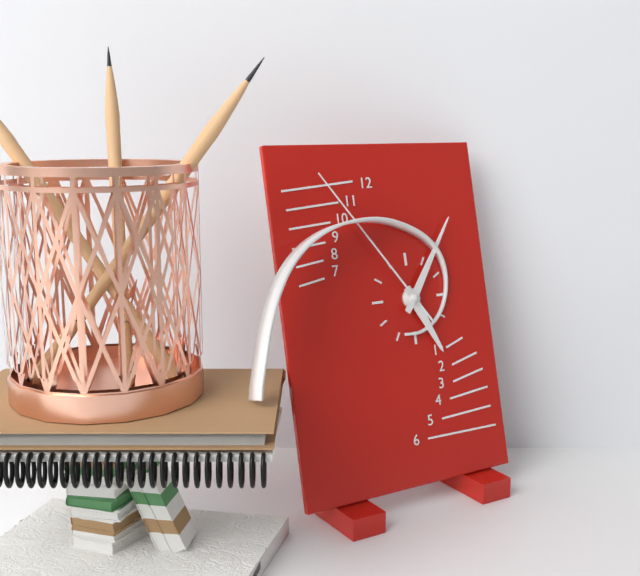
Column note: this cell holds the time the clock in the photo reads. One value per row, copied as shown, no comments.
5:06:54
